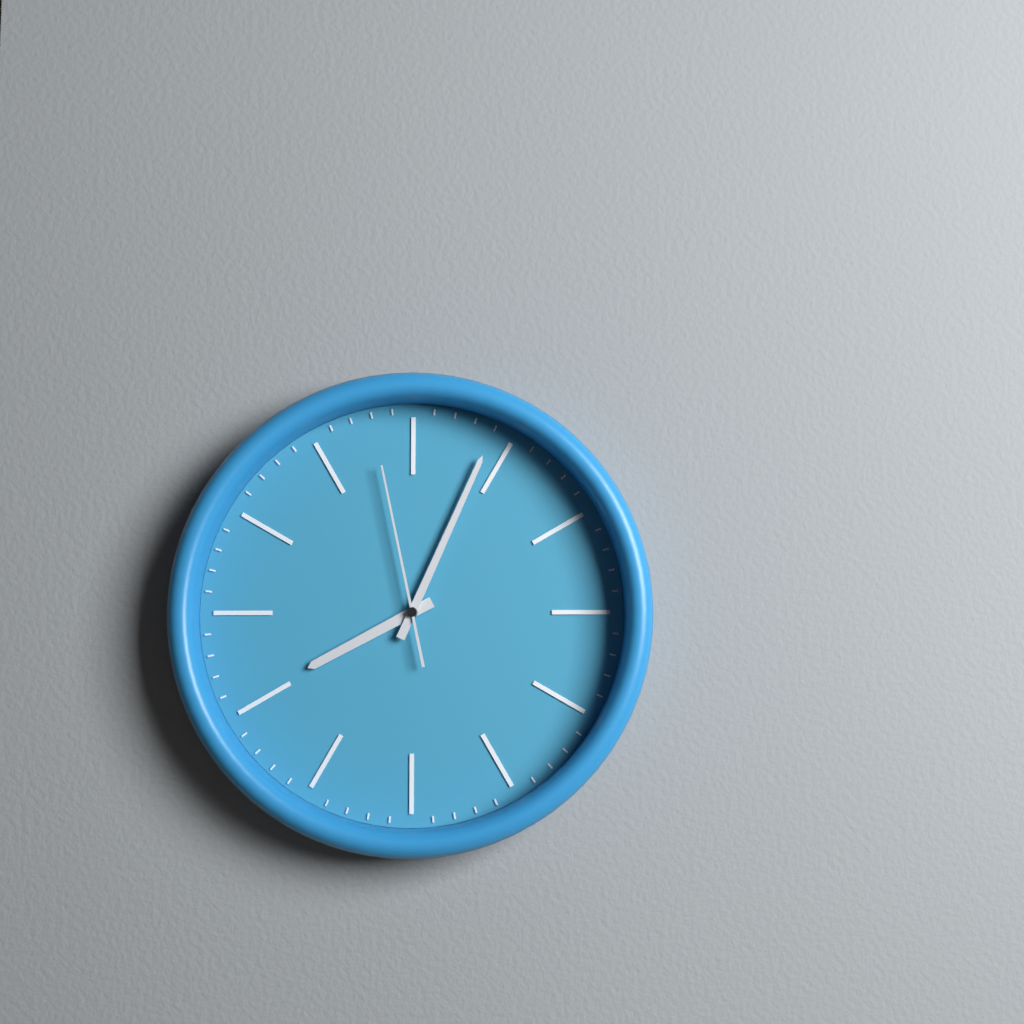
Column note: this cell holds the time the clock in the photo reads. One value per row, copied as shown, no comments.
8:04:58
